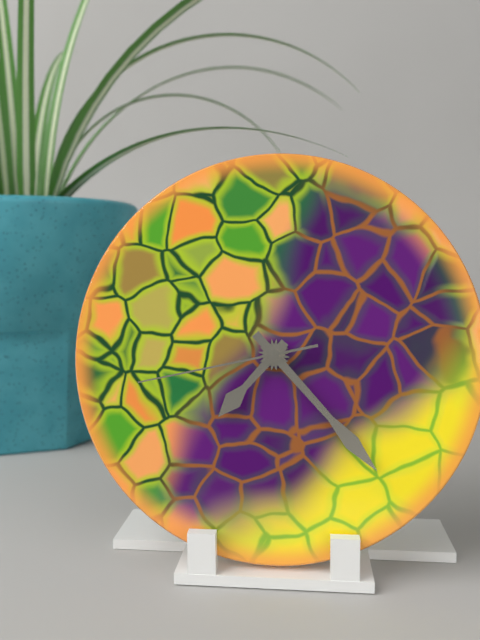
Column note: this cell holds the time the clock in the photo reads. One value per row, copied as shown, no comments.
7:23:43
